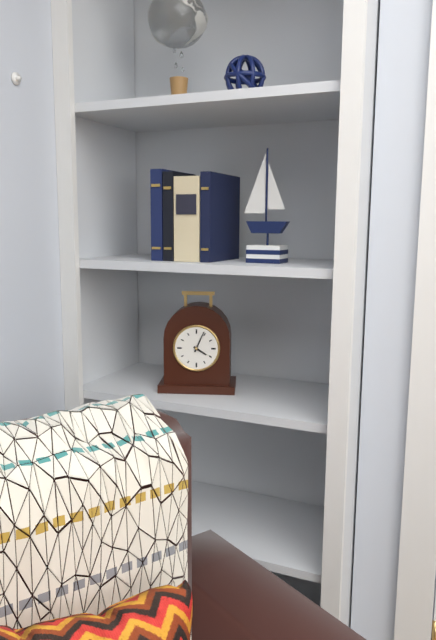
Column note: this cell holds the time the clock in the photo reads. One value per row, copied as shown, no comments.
4:04
